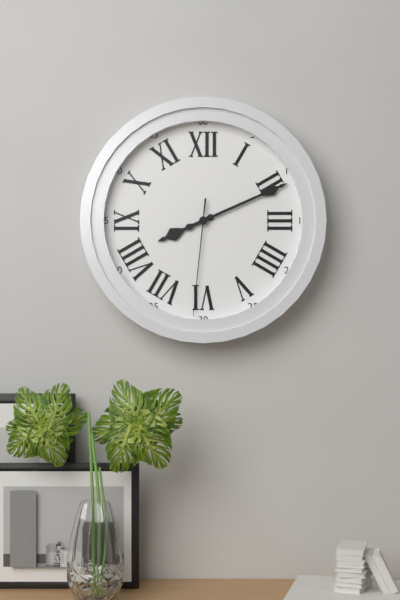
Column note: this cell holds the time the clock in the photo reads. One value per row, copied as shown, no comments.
8:11:31
